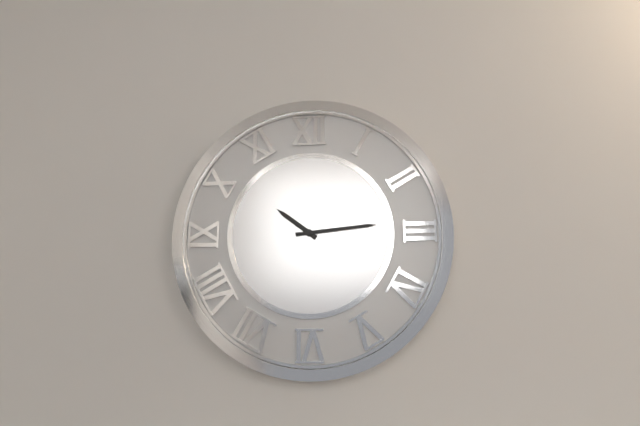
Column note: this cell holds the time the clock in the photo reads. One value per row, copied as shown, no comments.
10:14
